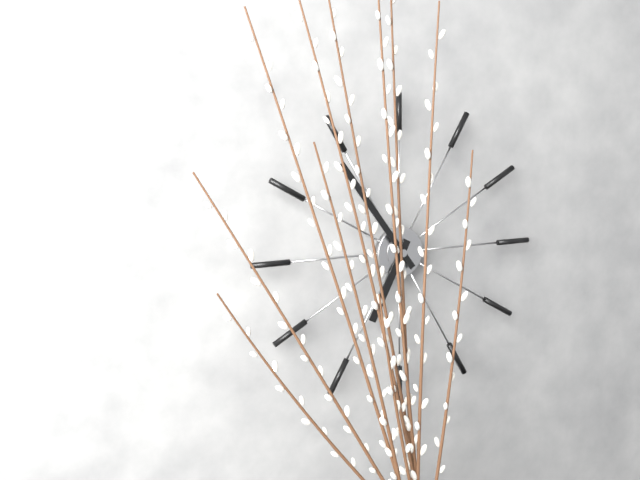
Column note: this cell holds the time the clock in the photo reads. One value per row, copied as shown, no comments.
6:54
